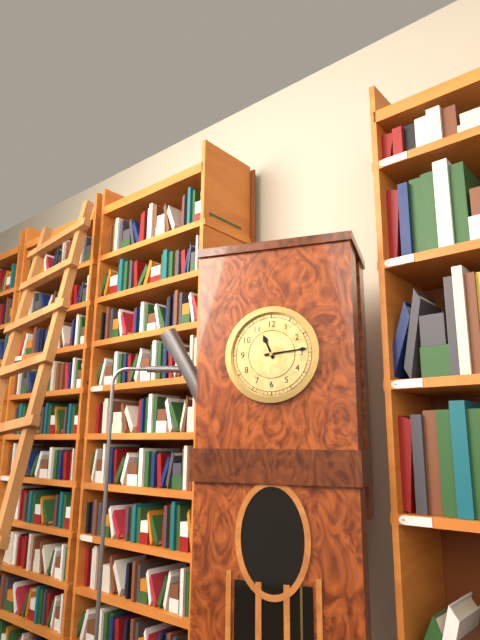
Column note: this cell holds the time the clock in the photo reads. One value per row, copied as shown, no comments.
11:14
